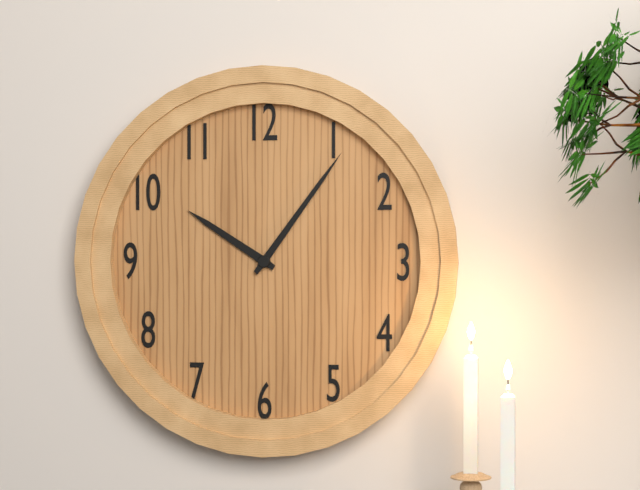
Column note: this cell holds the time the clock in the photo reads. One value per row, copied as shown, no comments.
10:06
